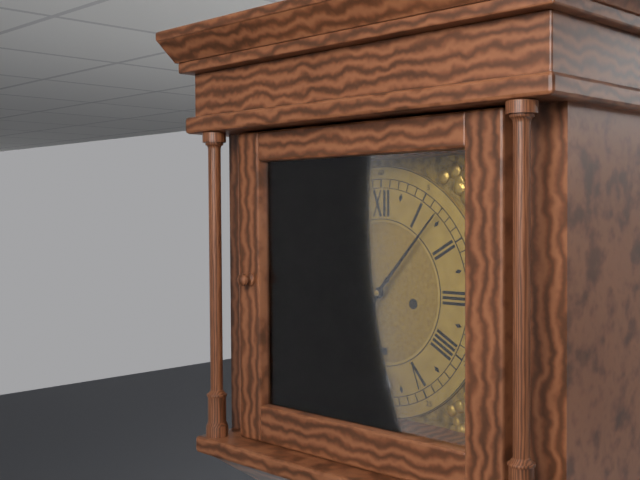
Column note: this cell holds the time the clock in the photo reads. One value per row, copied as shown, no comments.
7:07
